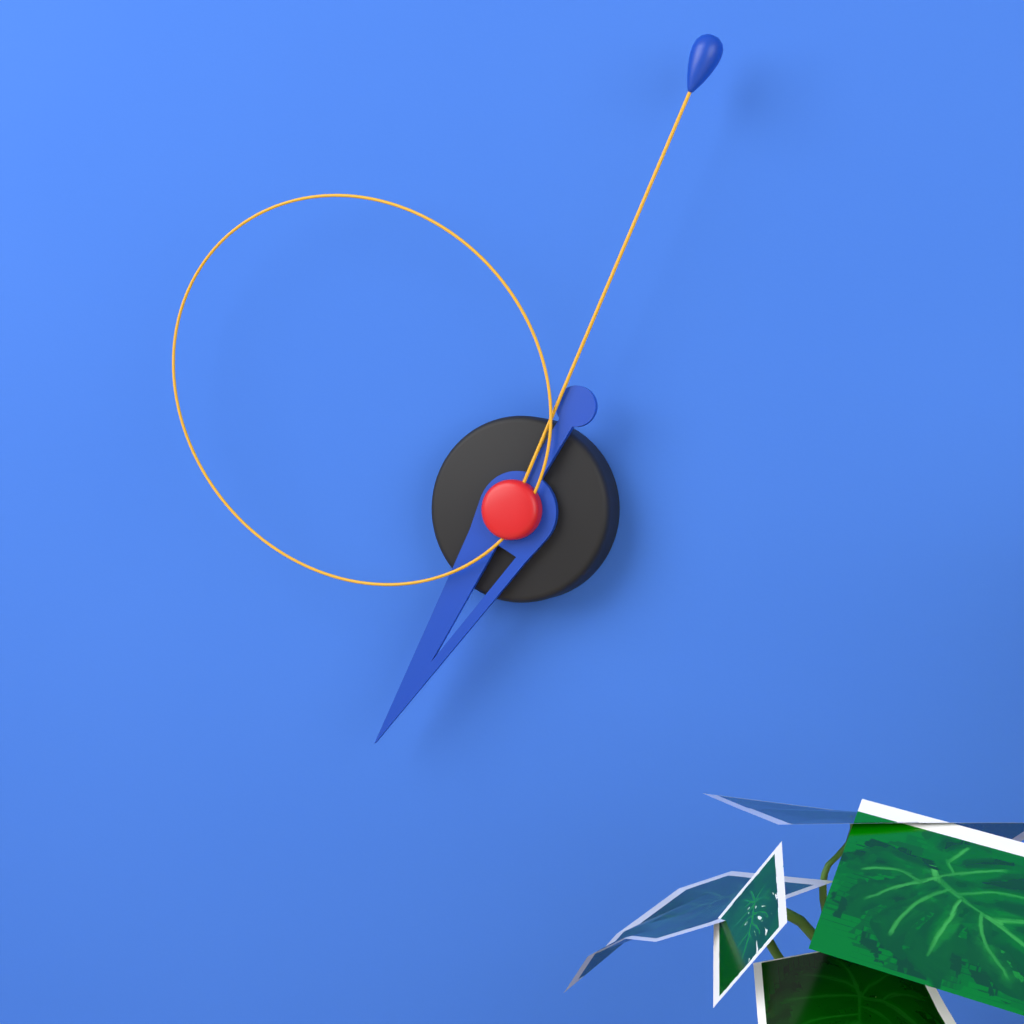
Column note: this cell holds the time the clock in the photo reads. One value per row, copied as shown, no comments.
7:04:51
